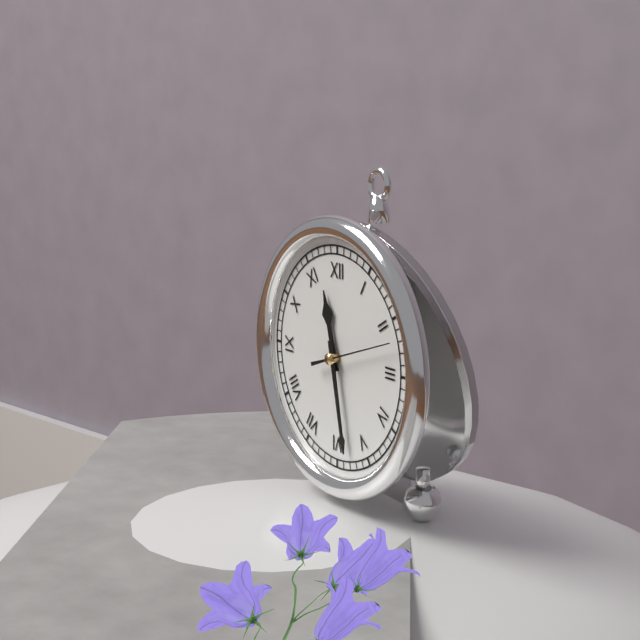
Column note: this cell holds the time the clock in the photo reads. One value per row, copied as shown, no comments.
11:28:12
